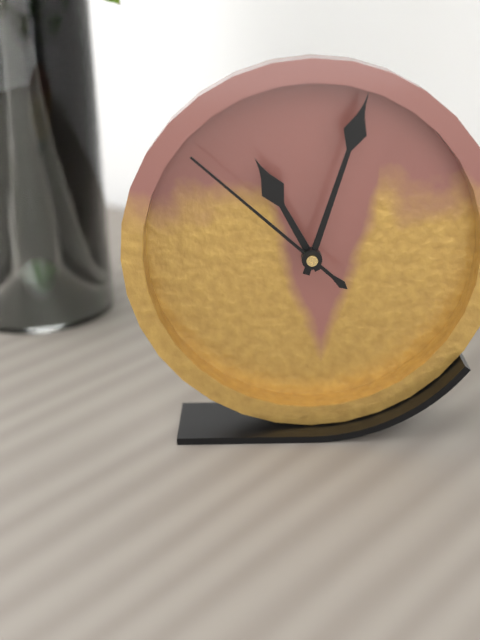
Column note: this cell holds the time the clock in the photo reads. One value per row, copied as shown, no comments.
11:03:52
